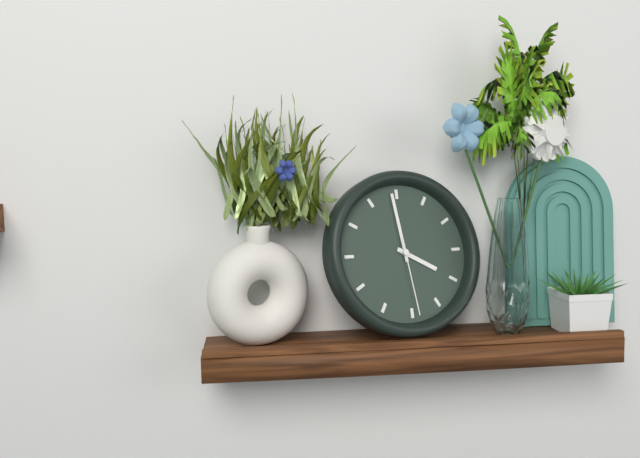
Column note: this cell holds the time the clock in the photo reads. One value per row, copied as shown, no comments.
3:59:29
